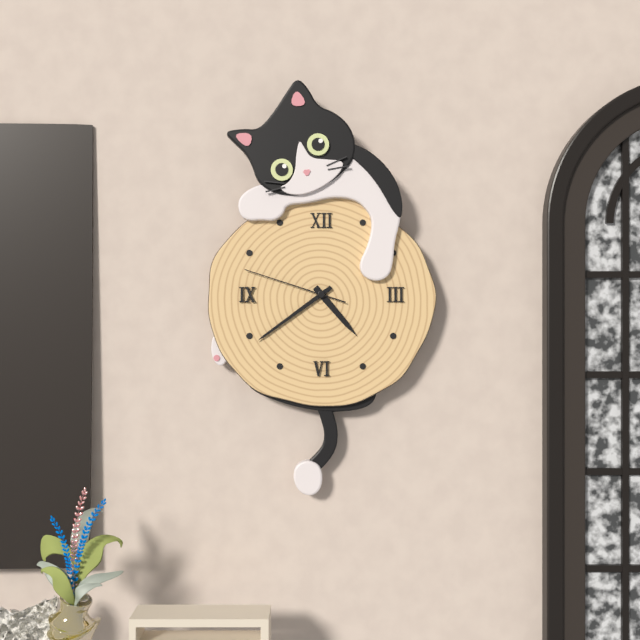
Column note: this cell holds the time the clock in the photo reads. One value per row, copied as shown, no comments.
4:39:48
